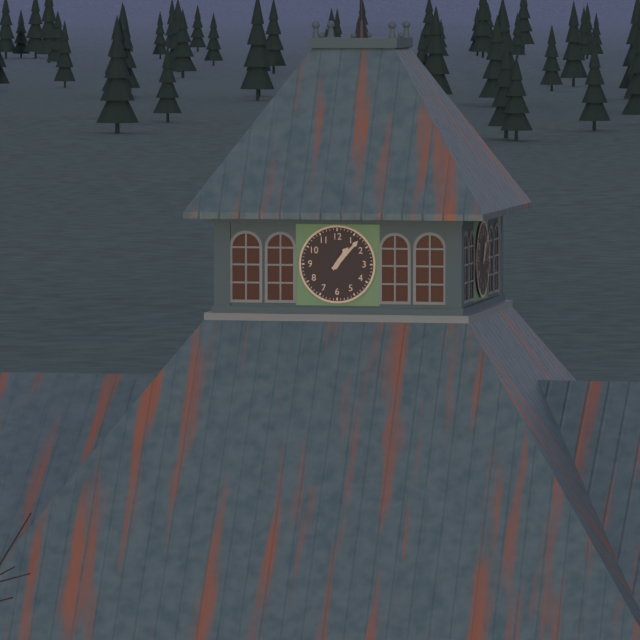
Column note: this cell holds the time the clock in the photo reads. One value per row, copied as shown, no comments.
1:07
